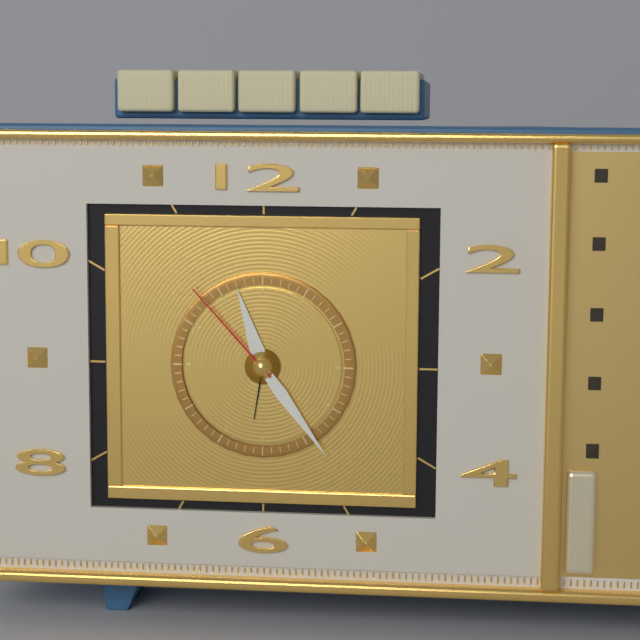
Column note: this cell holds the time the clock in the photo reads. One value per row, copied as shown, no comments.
11:24:53
